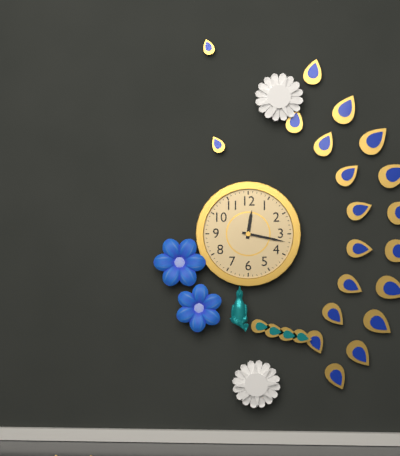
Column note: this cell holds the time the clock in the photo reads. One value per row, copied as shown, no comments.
12:17
